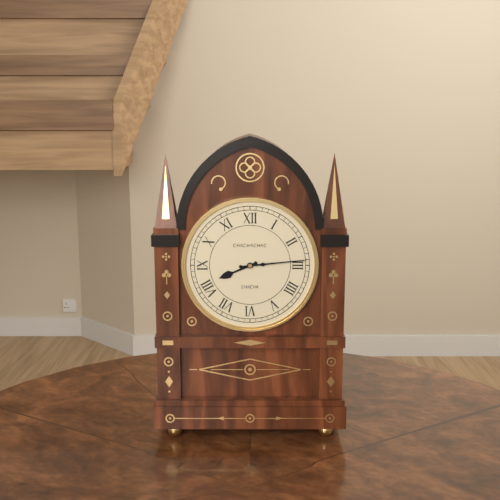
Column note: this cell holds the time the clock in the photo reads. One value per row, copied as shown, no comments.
8:14
